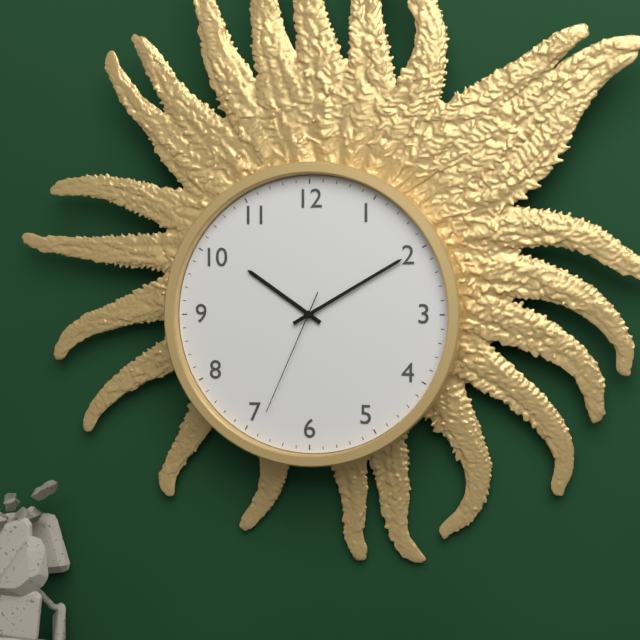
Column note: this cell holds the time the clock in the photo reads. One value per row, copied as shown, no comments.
10:10:34
